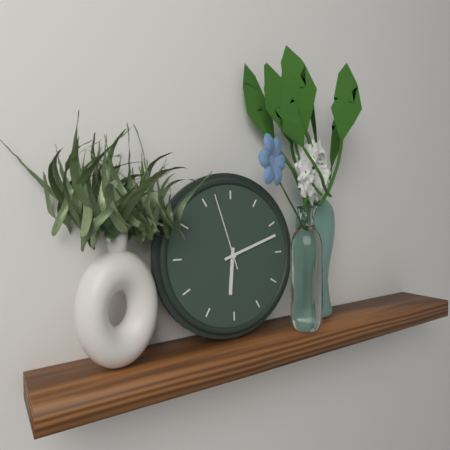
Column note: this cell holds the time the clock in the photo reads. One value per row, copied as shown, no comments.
6:12:57
